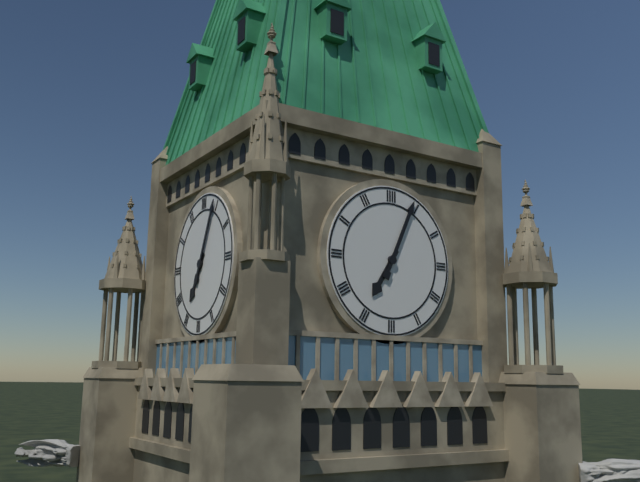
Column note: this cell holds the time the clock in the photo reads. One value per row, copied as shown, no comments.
7:04
